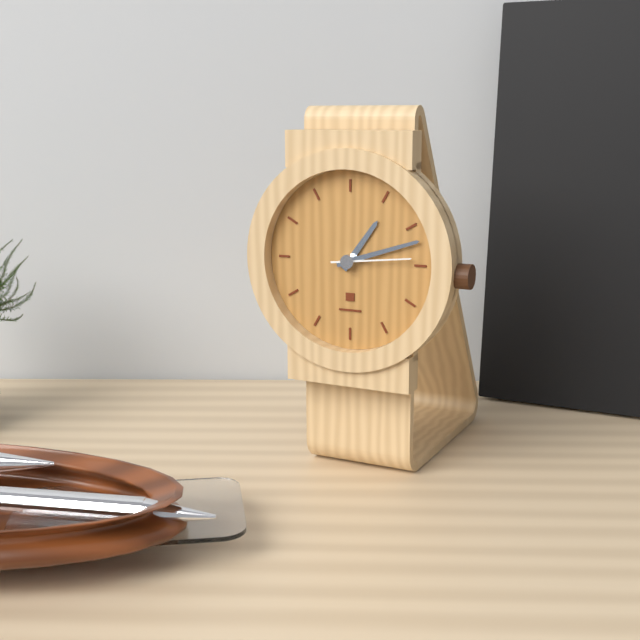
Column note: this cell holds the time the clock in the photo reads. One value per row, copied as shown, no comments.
1:12:14
